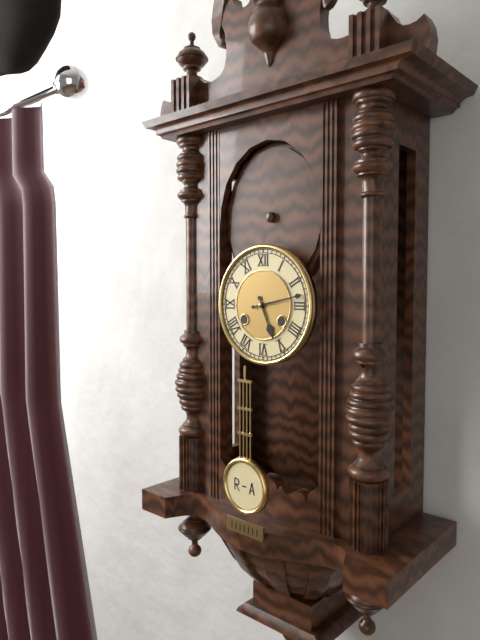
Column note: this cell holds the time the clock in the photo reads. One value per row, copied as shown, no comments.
5:13
